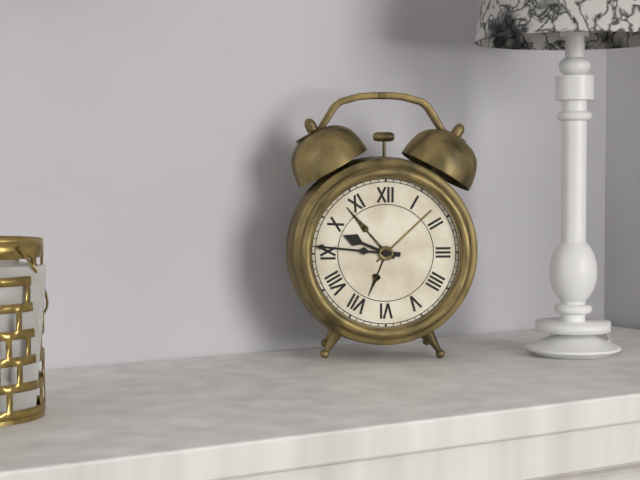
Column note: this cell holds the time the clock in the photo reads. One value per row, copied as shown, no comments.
9:46
